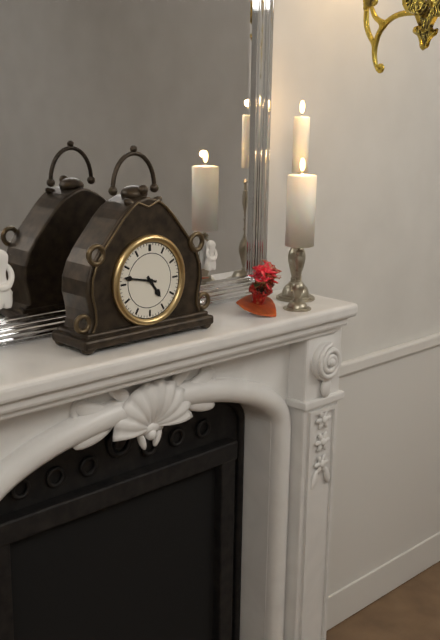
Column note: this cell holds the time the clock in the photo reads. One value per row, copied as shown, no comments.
4:47
